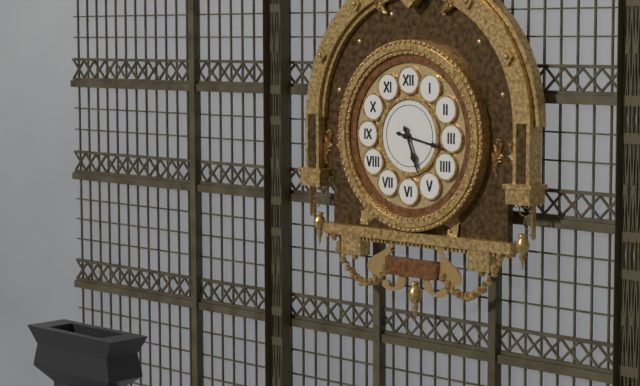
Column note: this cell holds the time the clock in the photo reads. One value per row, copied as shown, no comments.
5:17
